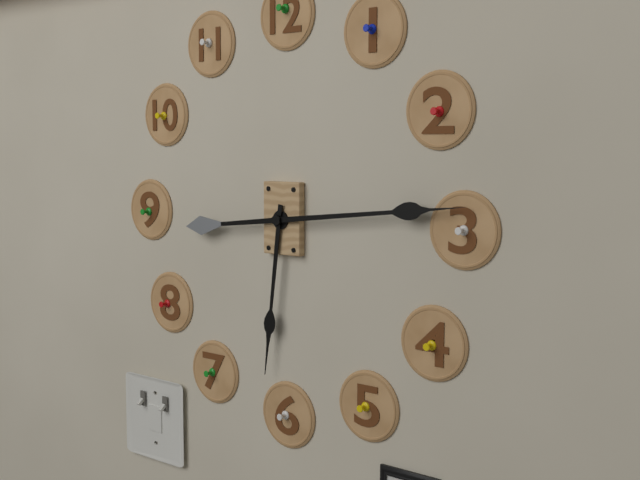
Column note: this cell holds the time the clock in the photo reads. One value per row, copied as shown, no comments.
6:14
